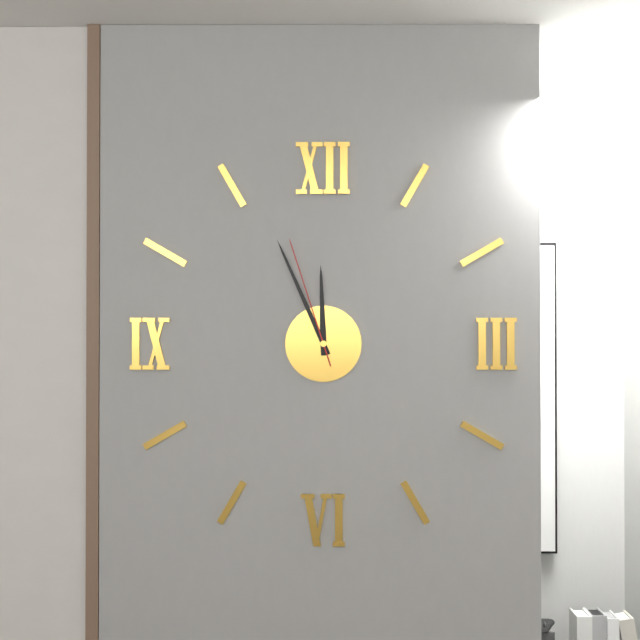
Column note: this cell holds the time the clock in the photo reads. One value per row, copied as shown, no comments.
11:56:57
